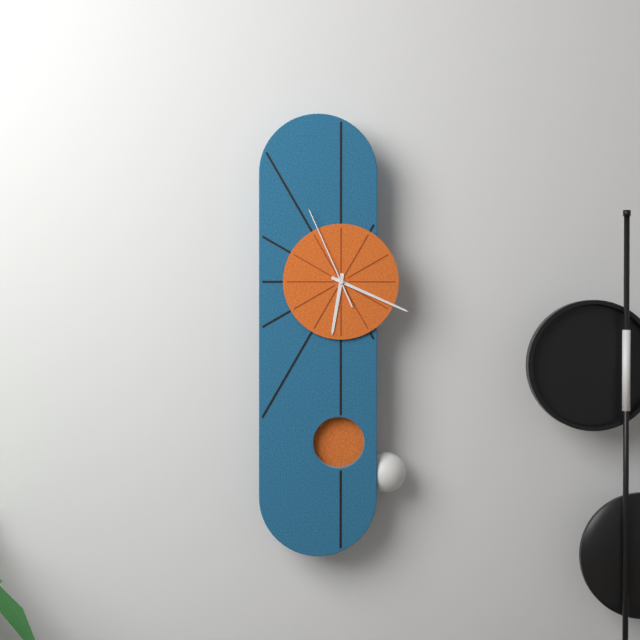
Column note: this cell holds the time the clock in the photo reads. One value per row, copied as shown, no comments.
6:19:56
